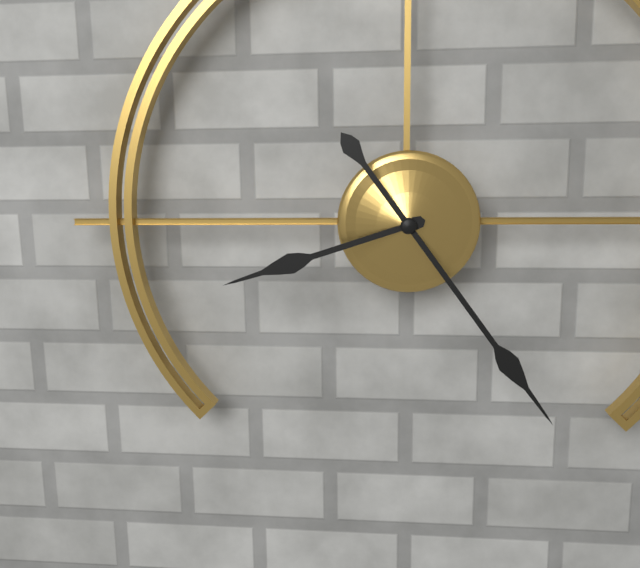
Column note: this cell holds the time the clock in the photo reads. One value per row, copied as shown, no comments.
8:24
